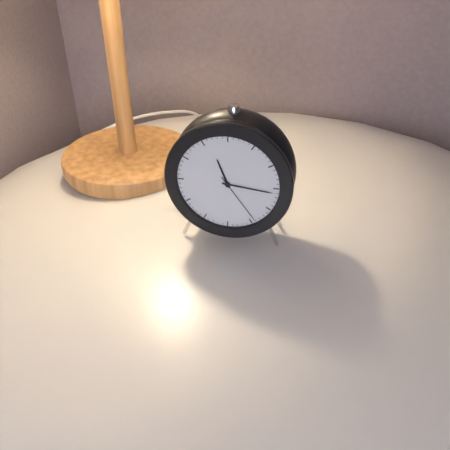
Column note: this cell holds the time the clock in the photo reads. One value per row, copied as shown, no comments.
11:16:24
